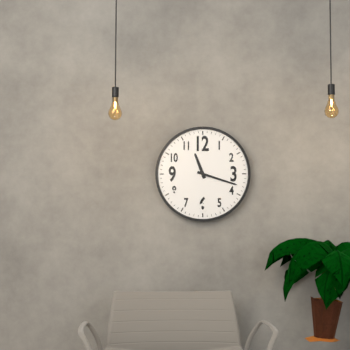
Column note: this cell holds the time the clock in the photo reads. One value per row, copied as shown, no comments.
11:18
